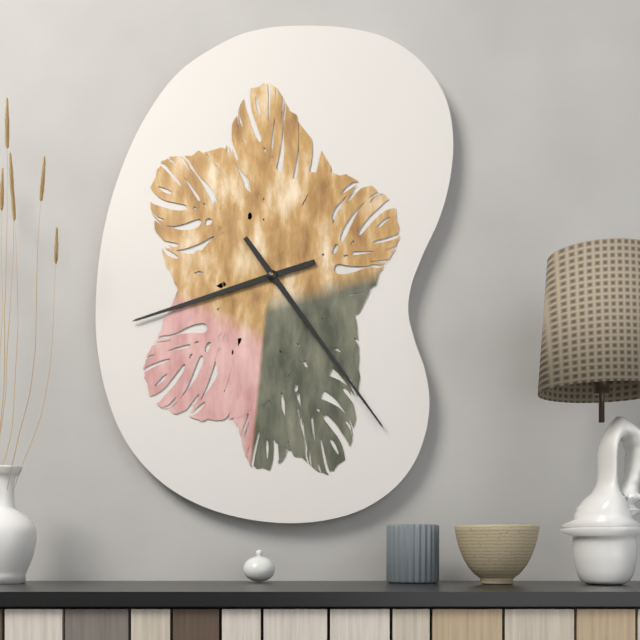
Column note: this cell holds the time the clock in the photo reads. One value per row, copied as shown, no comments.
8:24
